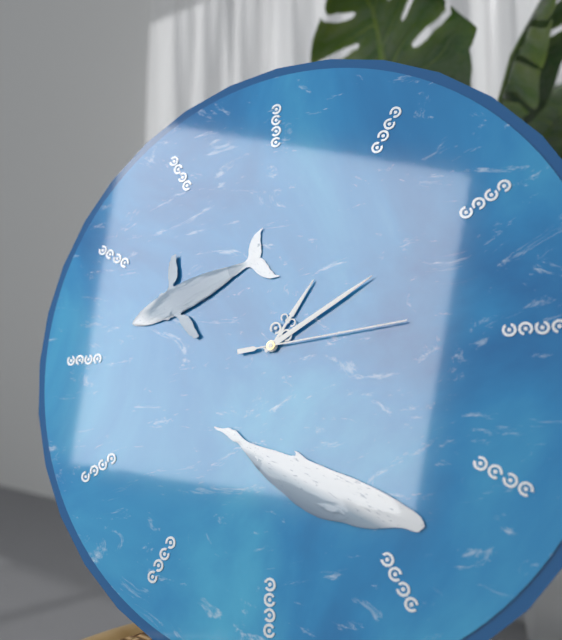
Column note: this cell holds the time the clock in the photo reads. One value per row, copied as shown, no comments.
1:10:14
